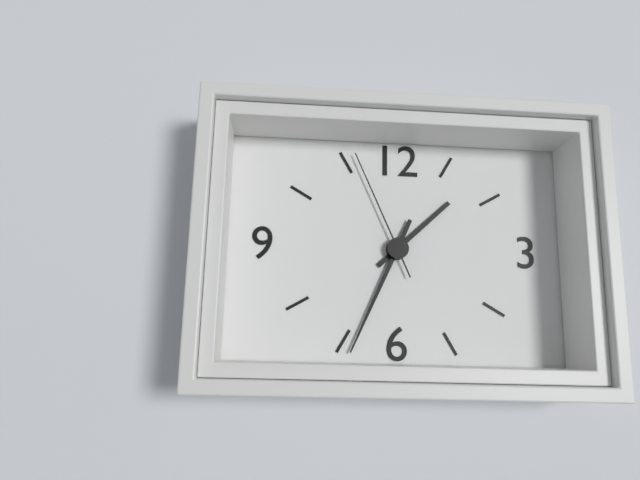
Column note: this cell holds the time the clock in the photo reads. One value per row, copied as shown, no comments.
1:34:56
